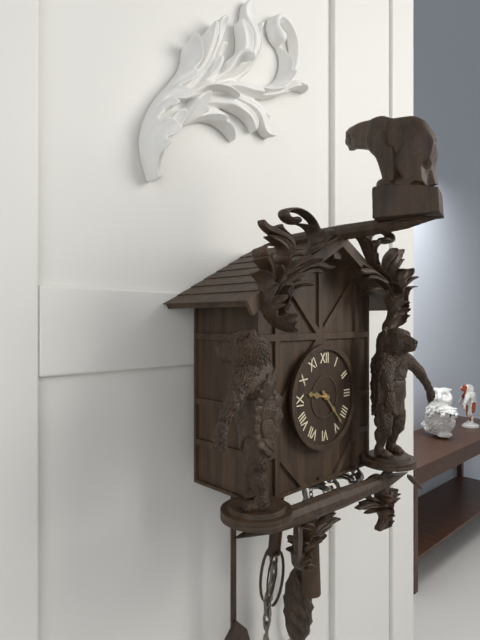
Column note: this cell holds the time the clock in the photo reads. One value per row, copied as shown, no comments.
9:23
